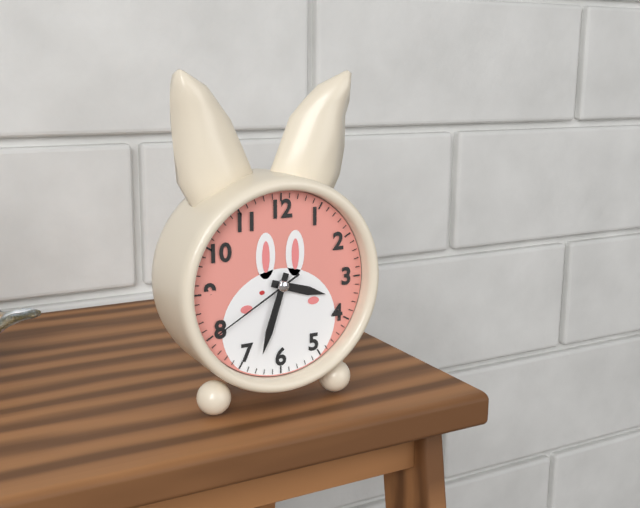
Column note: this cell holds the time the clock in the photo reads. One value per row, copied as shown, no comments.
3:33:40
